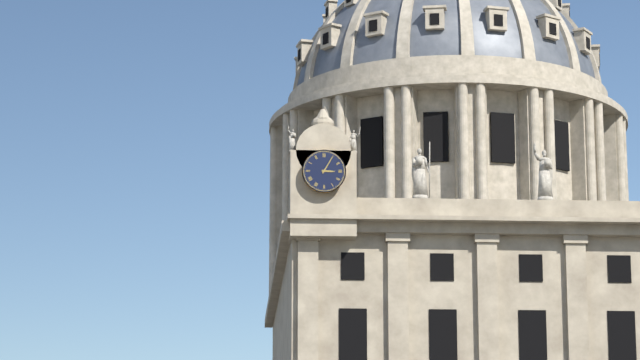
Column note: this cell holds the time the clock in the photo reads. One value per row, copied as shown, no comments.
3:05
